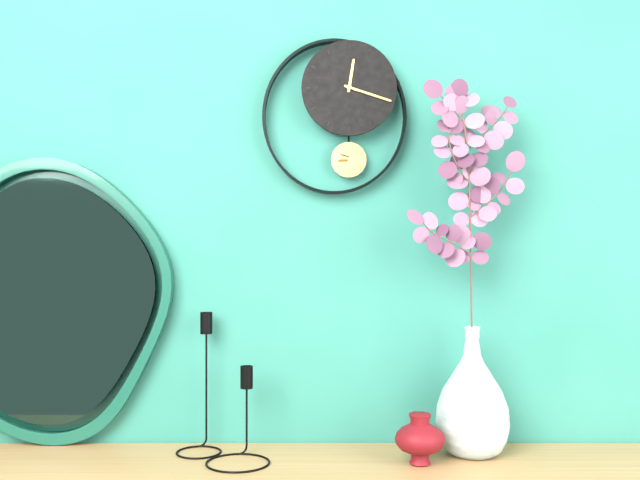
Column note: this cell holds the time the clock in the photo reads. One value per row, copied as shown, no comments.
12:18
